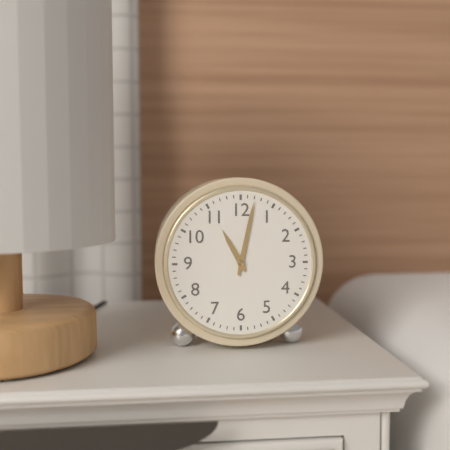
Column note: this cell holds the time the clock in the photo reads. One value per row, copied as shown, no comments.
11:02
